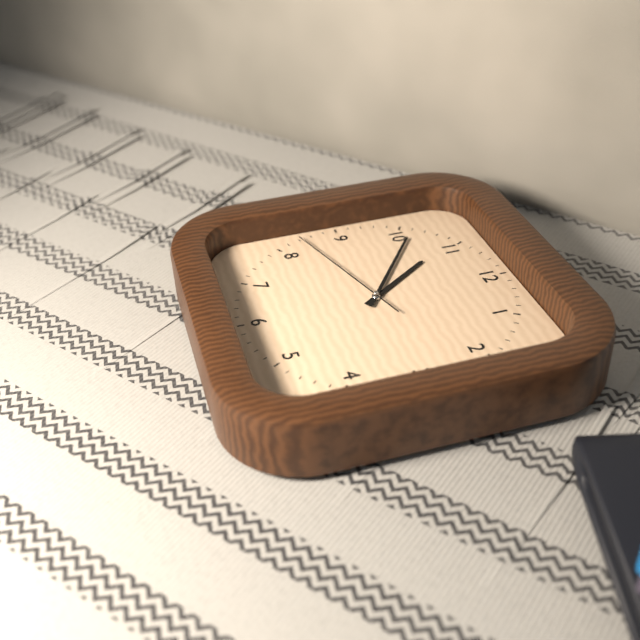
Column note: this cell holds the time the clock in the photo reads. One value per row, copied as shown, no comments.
10:51:42
